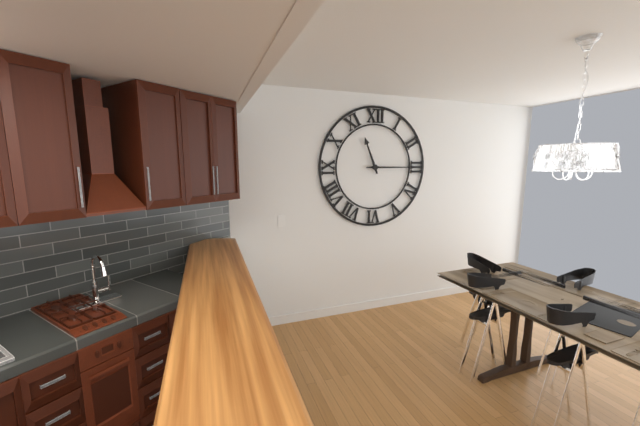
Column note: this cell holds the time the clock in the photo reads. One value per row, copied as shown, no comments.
11:15
